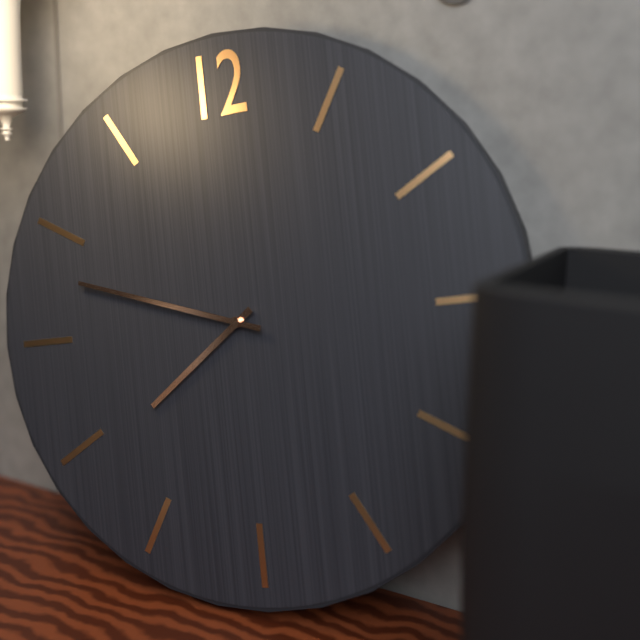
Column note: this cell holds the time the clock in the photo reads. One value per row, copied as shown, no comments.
7:48
